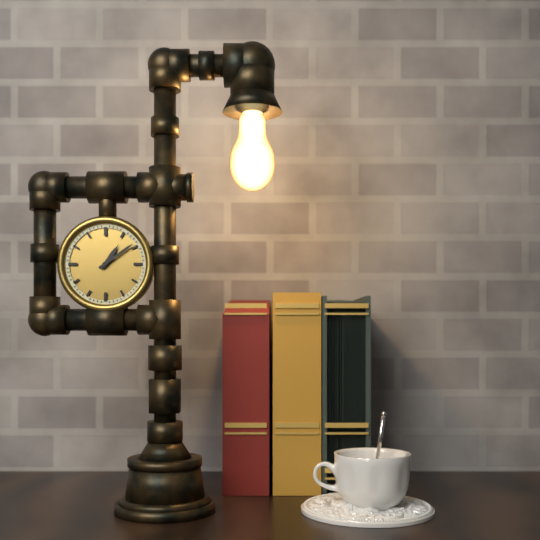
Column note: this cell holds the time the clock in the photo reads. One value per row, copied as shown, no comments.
1:09
